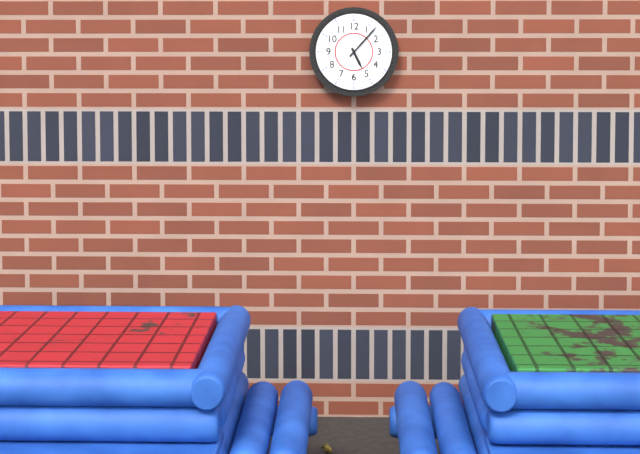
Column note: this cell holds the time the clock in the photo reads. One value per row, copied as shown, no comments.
5:07
